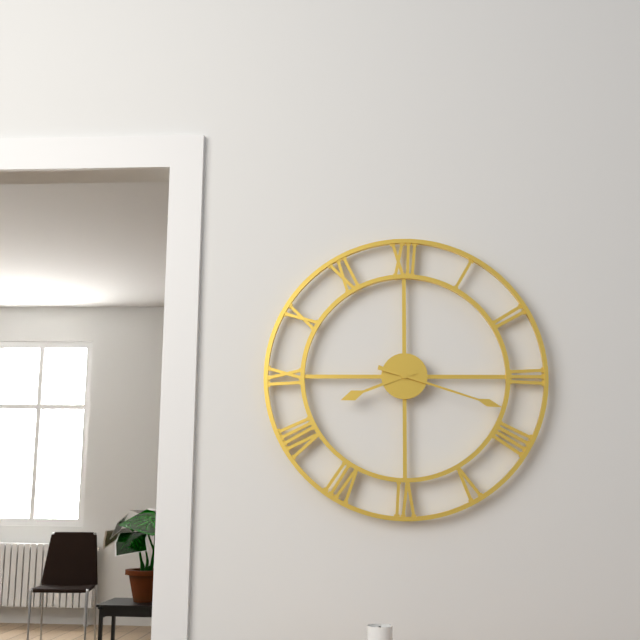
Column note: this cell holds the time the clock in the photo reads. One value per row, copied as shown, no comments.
8:18
